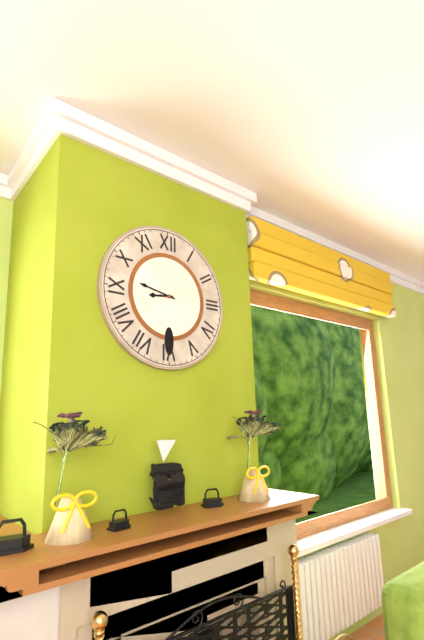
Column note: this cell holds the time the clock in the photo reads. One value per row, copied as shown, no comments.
8:47
